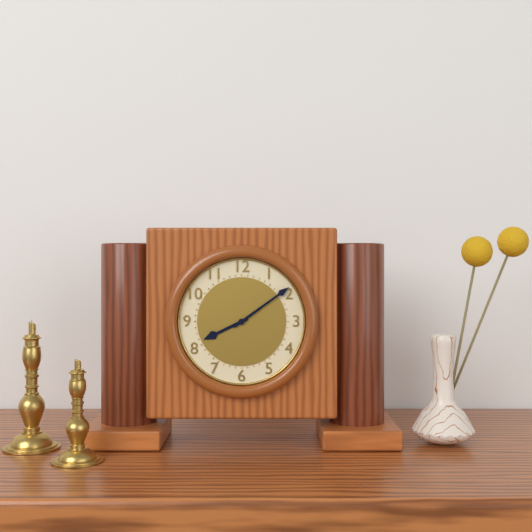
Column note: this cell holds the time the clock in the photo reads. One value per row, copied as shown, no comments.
8:09
